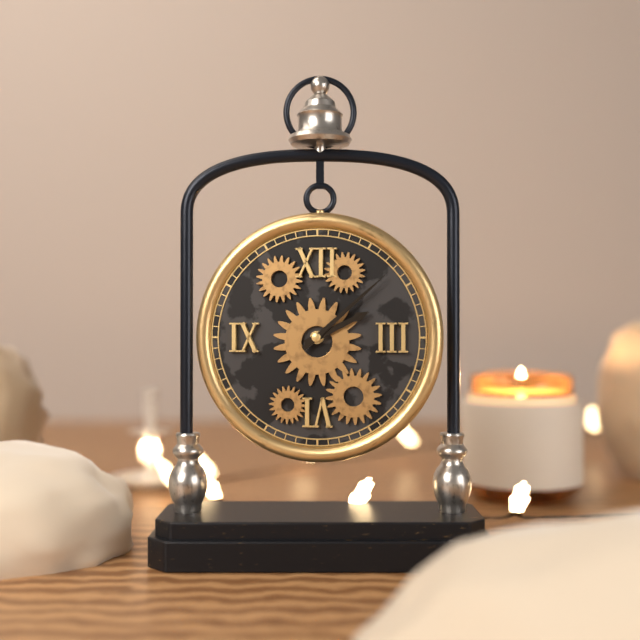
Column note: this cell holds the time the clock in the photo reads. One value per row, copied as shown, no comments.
2:08
